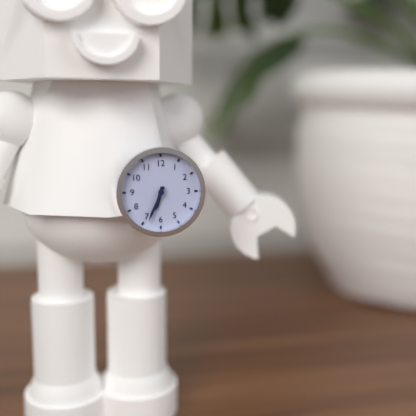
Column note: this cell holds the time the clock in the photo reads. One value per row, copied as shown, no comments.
6:34
